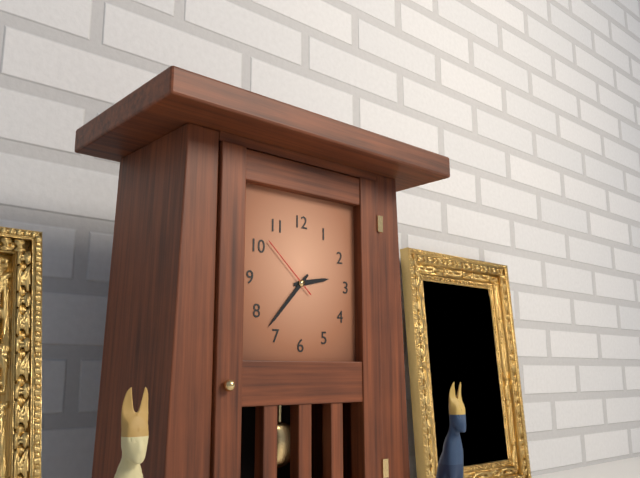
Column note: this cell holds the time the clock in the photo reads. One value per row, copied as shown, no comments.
2:37:52
